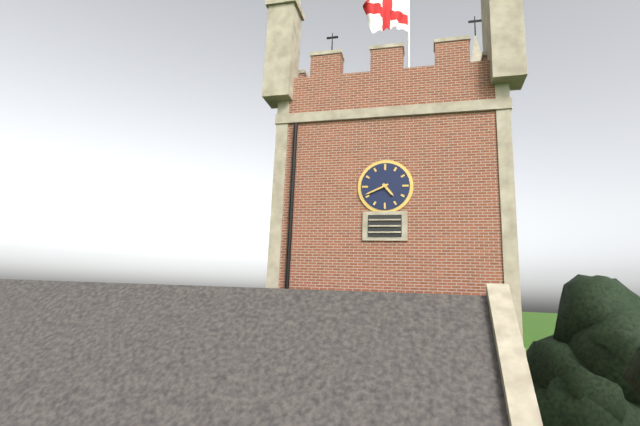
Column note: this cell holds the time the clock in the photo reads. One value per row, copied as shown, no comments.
4:41
